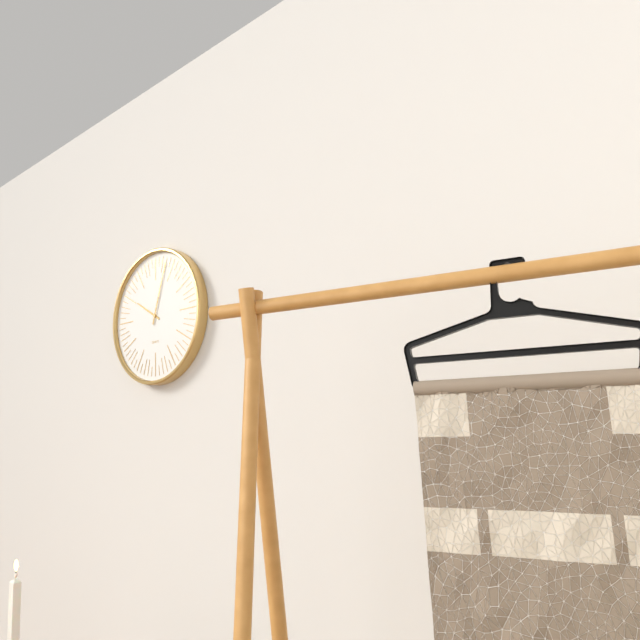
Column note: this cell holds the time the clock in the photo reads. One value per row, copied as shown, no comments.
10:03
